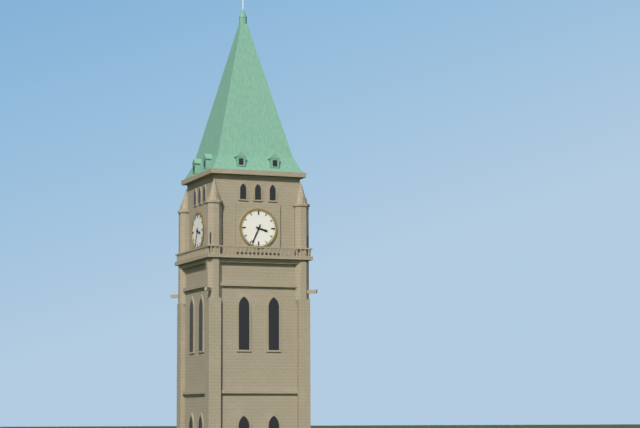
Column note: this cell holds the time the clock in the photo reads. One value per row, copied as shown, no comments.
3:34
